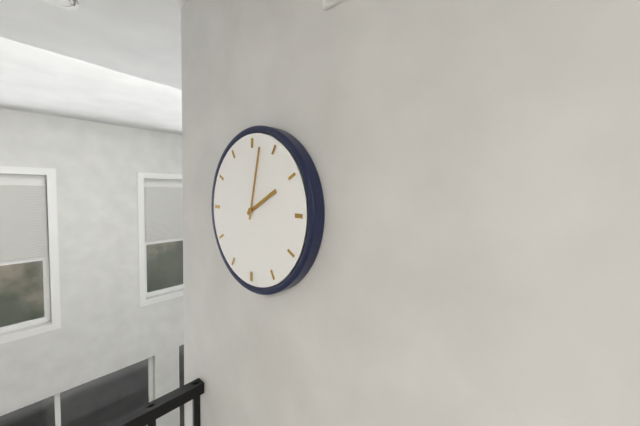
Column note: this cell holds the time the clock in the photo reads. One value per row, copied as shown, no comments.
2:02
